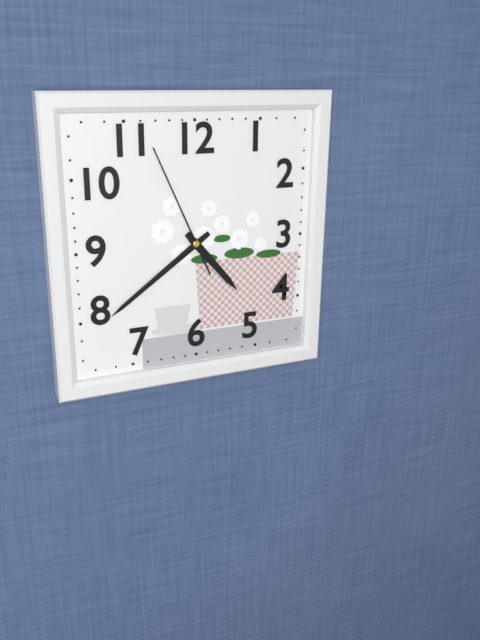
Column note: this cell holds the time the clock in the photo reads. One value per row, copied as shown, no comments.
4:39:56
